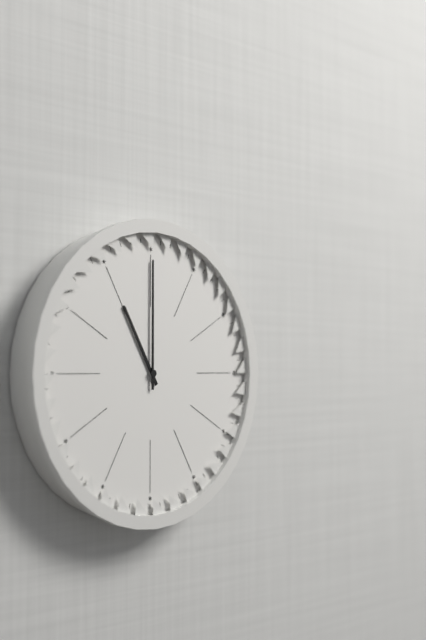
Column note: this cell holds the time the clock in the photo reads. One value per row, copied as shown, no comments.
11:00
